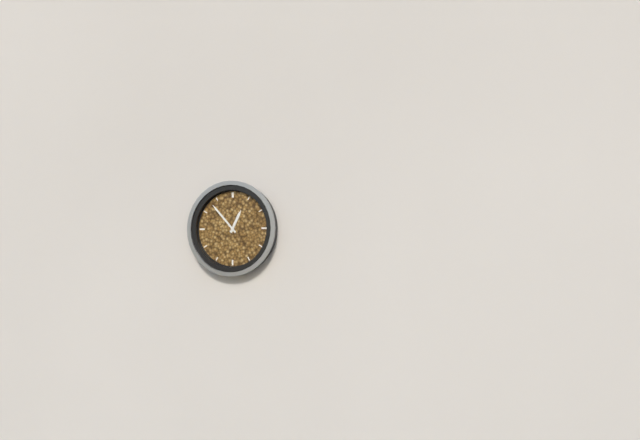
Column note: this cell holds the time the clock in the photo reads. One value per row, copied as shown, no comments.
12:53
